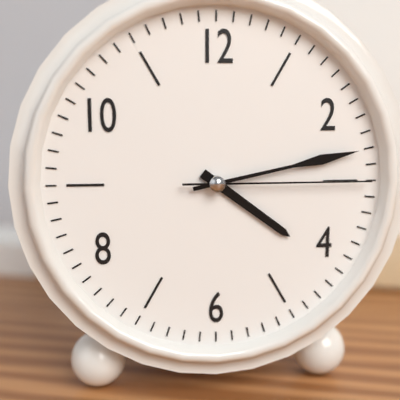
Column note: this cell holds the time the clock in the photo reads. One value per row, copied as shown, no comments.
4:13:15
